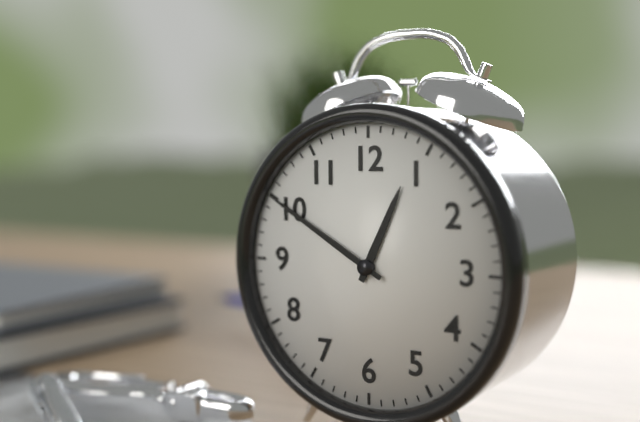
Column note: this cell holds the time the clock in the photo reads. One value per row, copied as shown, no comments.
12:50
